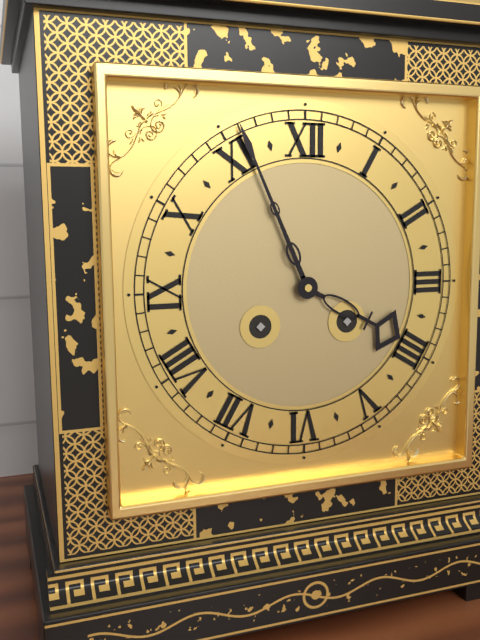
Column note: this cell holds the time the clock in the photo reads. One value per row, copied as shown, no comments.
3:56
